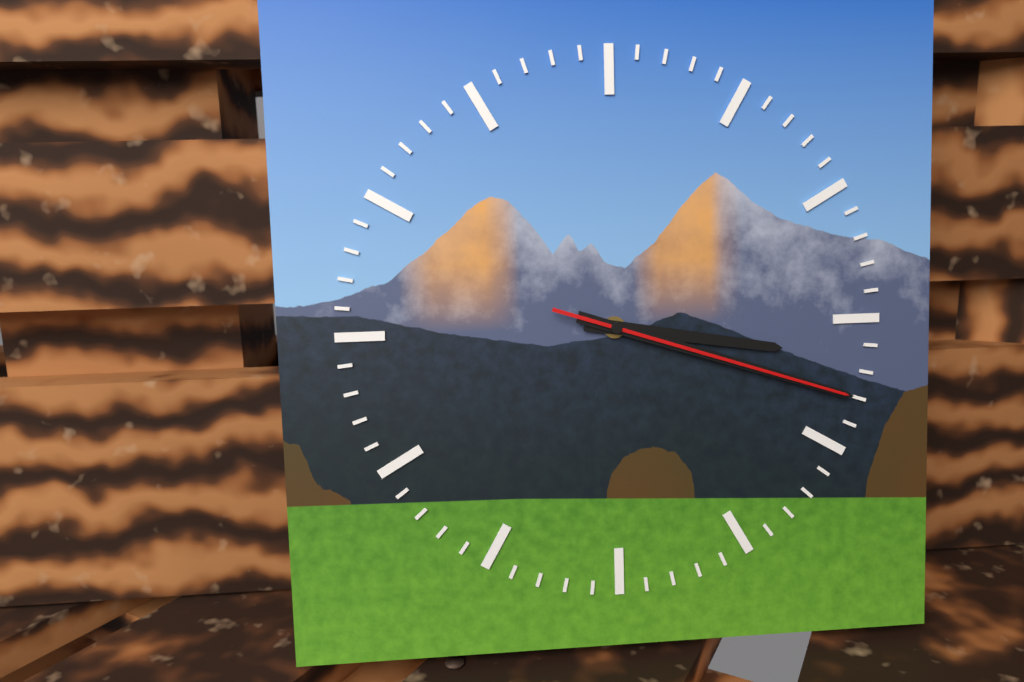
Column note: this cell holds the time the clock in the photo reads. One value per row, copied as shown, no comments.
3:18:18
